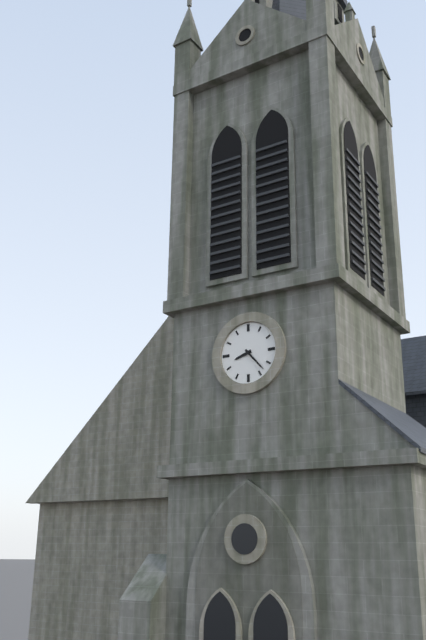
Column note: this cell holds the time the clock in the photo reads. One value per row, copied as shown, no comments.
8:23
